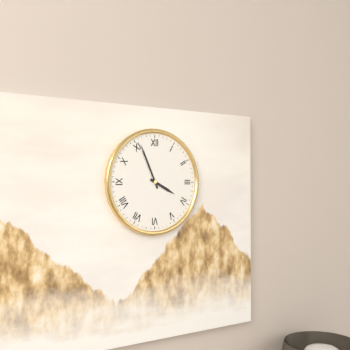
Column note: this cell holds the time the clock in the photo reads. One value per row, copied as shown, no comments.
3:56
